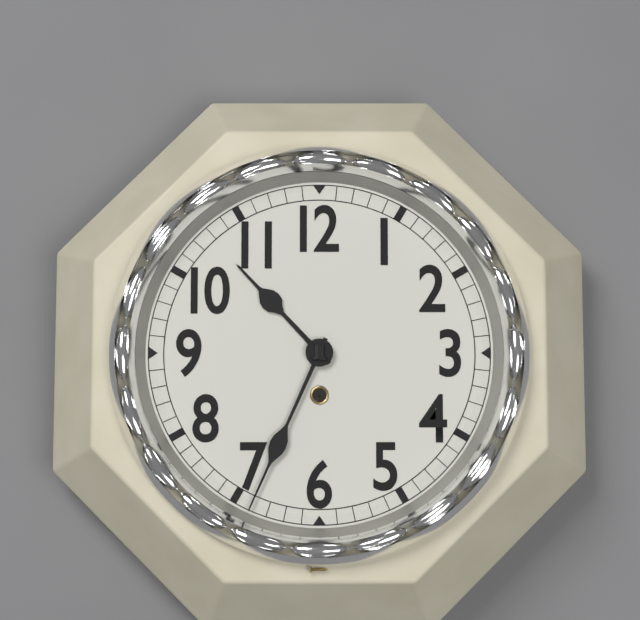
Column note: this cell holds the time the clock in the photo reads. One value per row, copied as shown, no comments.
10:34
